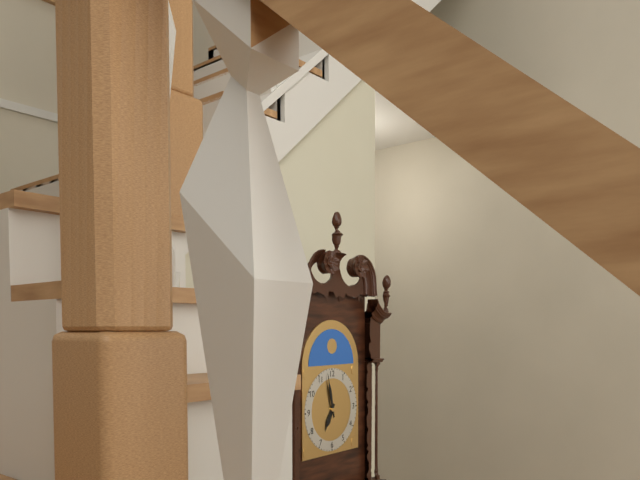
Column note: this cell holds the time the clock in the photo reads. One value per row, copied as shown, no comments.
6:58
